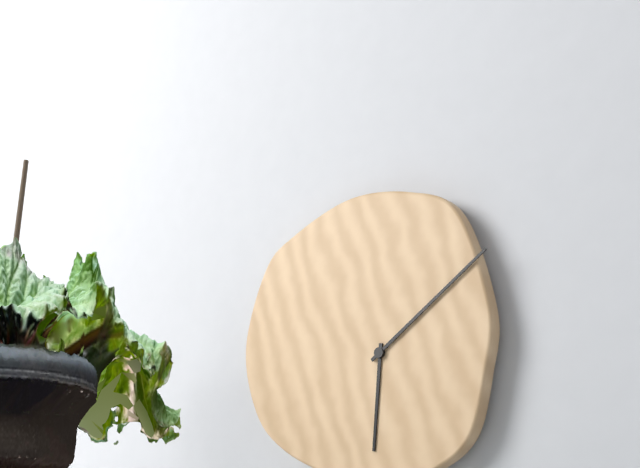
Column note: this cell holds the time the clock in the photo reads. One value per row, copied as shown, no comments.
6:09
